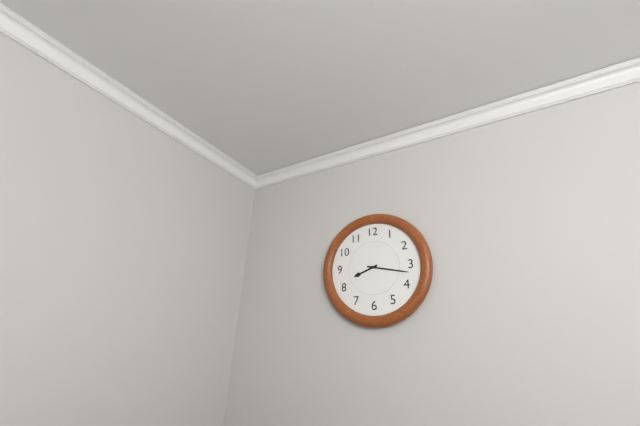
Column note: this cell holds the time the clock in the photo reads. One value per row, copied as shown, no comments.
8:17
